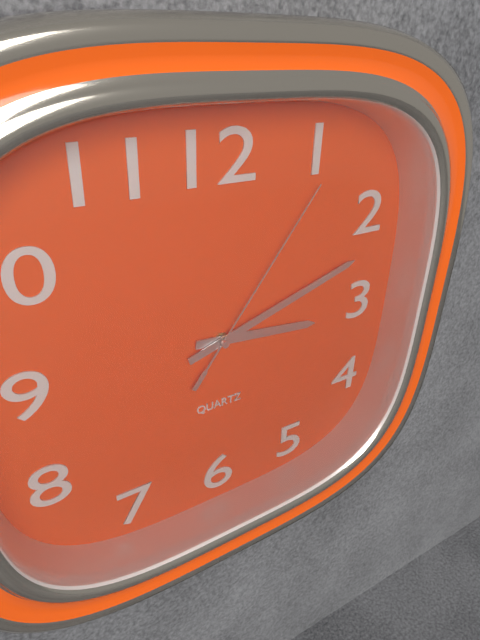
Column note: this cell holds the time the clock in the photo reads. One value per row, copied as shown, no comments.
3:12:06
